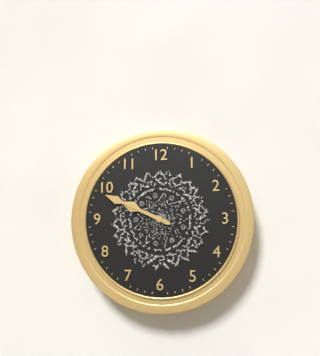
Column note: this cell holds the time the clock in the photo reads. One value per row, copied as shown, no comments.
9:49
